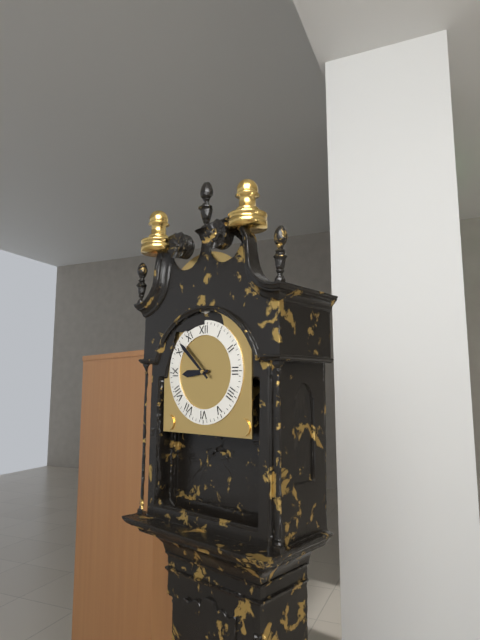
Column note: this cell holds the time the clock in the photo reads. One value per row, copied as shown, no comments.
8:52
